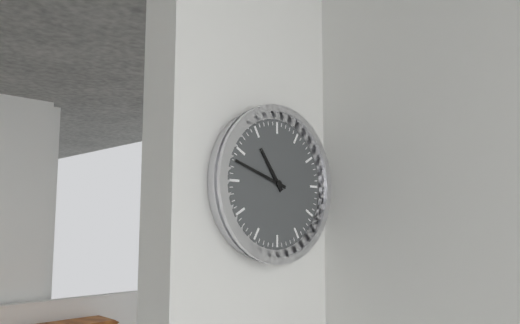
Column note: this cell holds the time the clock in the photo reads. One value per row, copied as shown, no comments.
10:48
